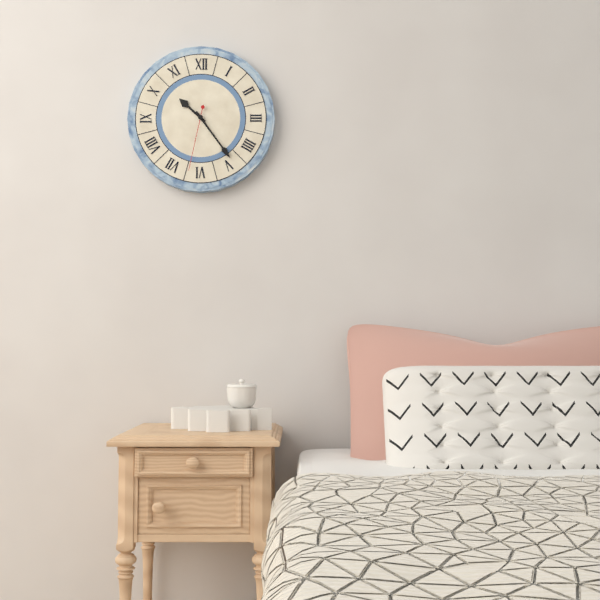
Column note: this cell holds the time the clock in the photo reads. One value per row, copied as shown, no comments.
10:24:32
